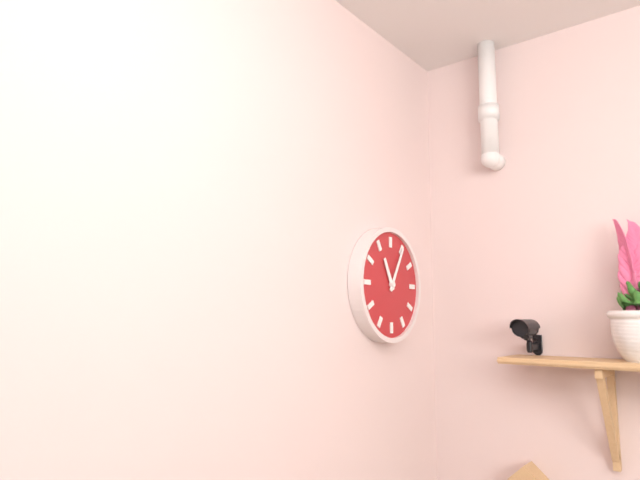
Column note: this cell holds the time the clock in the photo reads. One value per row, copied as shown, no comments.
11:05
